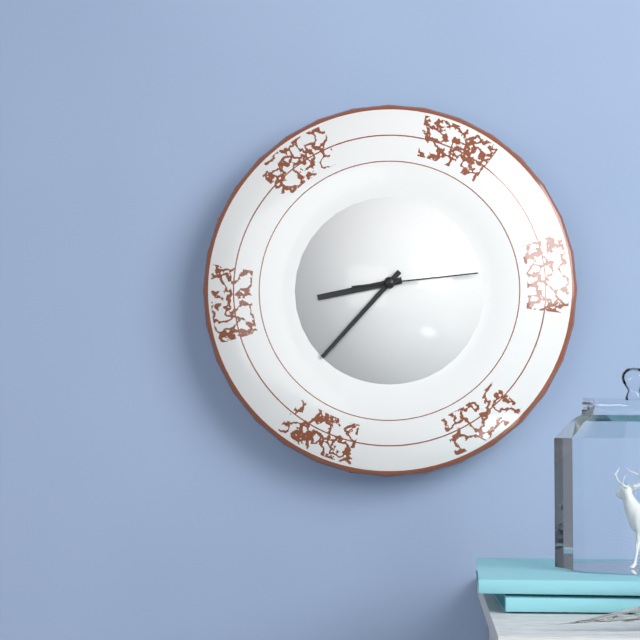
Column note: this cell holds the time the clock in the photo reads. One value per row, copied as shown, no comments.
8:37:14
